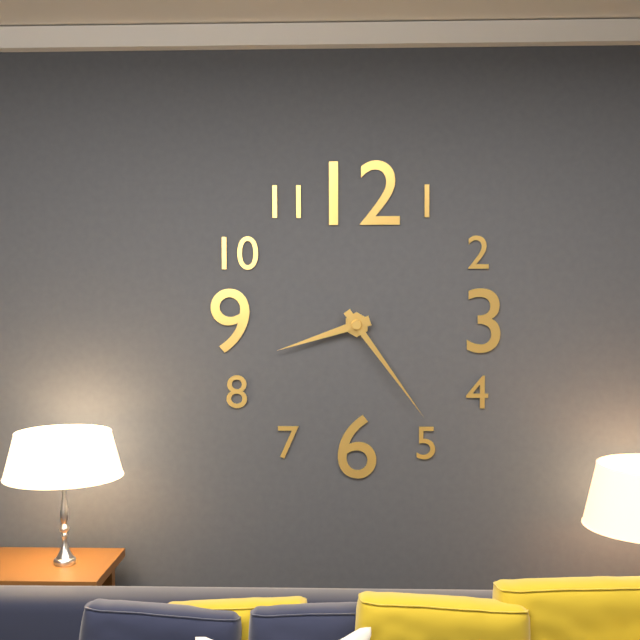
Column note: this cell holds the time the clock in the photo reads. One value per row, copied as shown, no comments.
8:24
